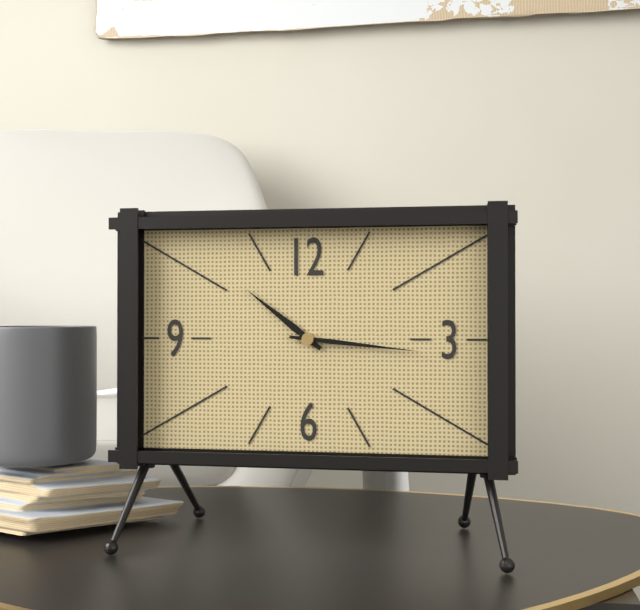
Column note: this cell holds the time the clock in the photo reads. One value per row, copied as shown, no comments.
10:16
